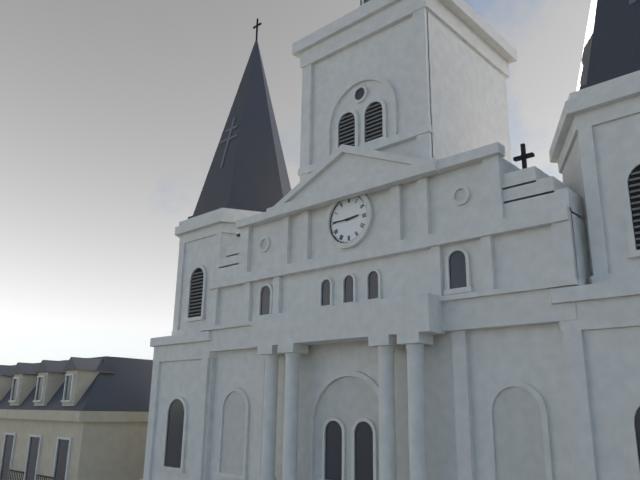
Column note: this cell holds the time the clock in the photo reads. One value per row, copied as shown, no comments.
2:45
